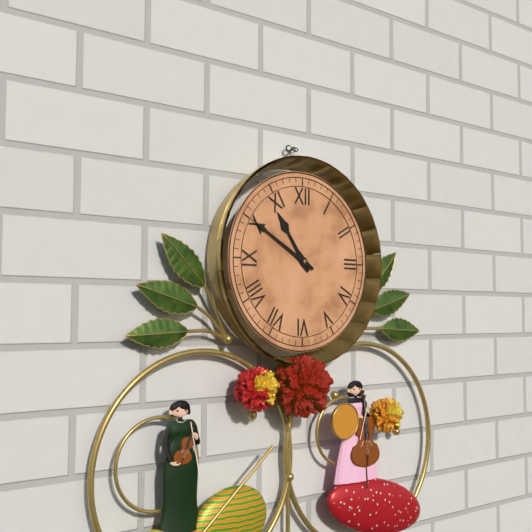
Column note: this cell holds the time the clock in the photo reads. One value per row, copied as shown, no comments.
10:50
